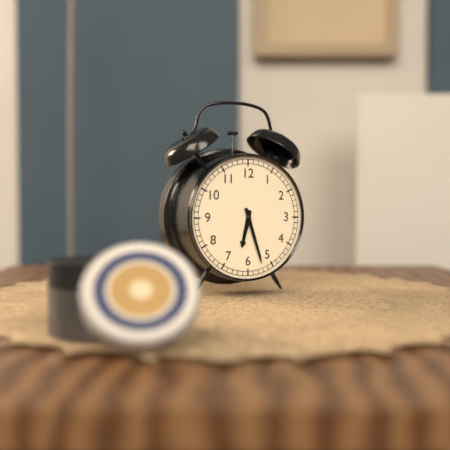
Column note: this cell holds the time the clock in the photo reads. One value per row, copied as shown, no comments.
6:27
